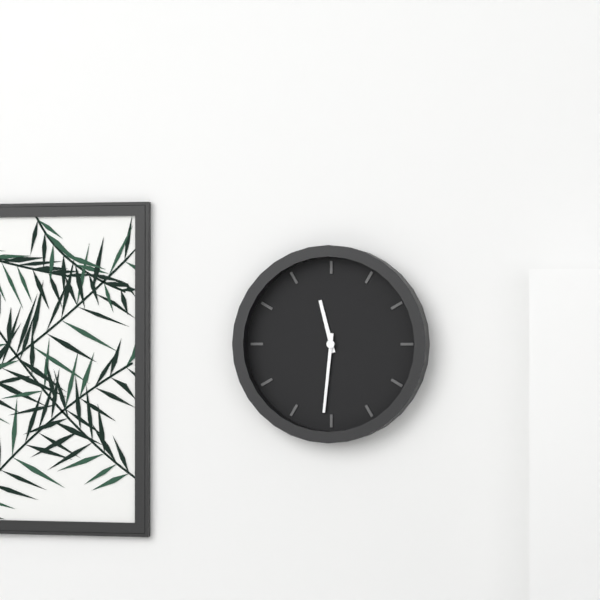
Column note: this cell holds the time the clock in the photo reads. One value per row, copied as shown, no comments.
11:31
